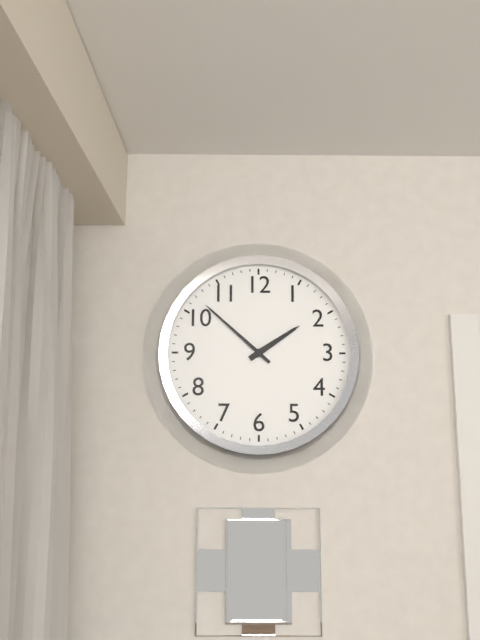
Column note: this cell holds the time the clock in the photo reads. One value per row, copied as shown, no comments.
1:52
